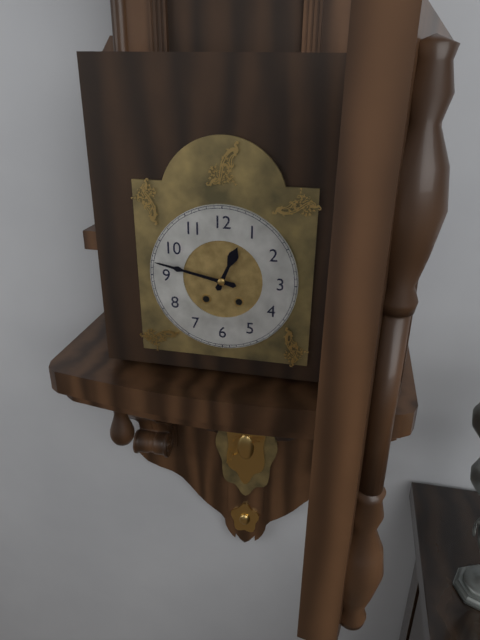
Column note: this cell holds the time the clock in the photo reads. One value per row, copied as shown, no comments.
12:47
